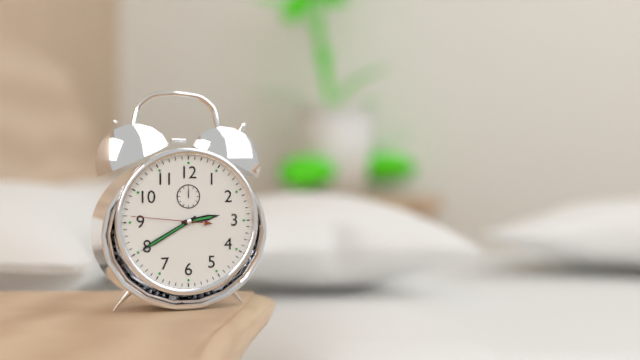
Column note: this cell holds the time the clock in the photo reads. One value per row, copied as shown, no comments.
2:40:46
